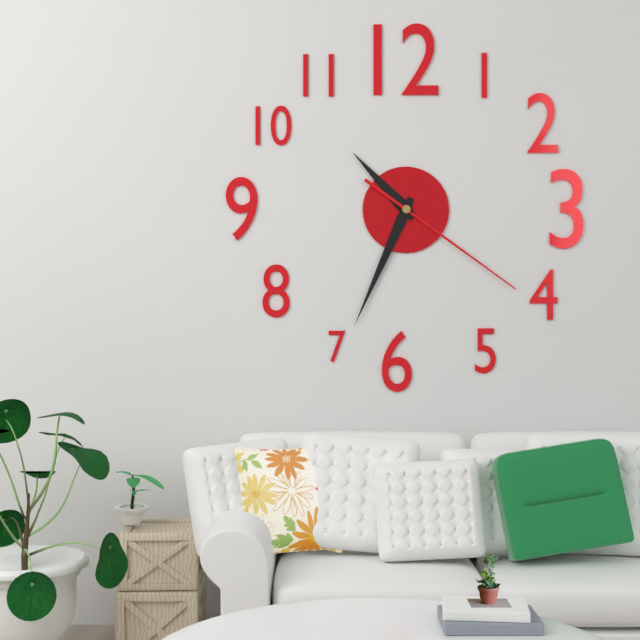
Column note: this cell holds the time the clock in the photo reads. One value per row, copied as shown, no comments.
10:34:21
